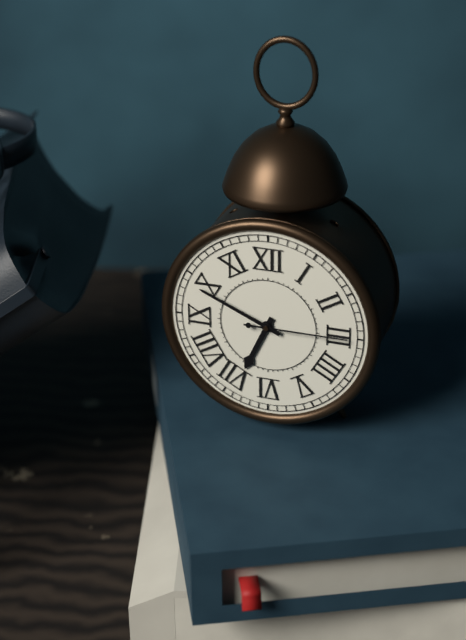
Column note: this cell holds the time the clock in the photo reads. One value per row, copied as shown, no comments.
6:49:15
